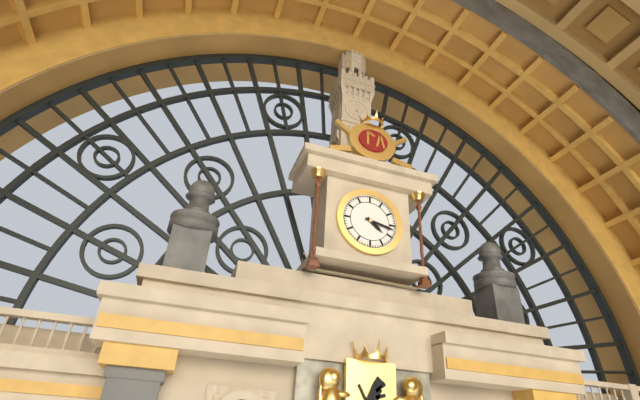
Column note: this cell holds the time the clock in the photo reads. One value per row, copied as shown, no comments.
4:17
